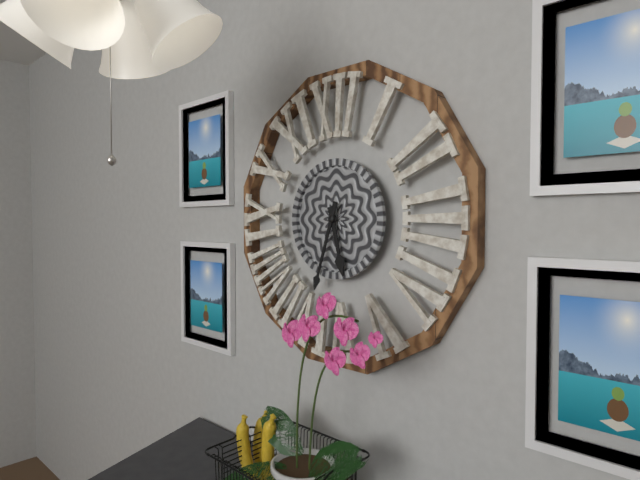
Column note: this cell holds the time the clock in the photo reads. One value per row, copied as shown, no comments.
5:33
